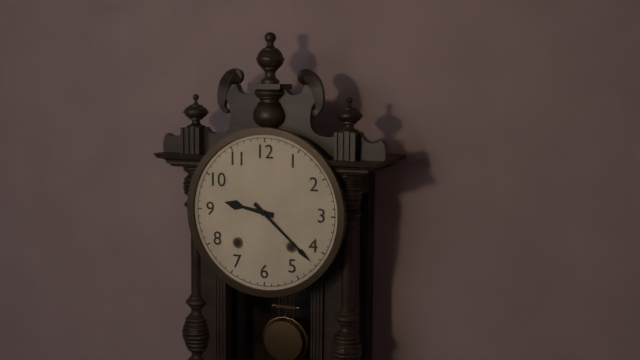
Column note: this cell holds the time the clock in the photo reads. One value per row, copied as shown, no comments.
9:22
